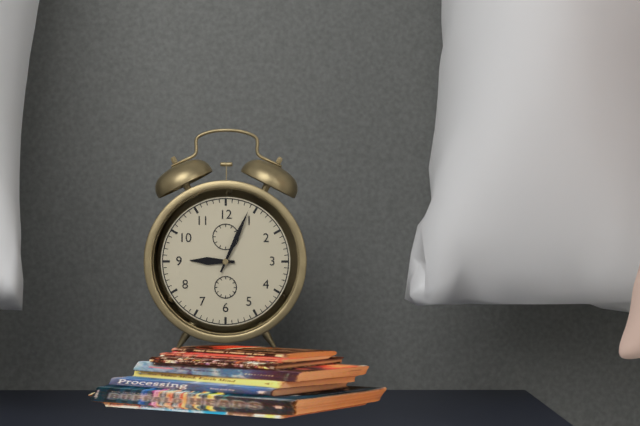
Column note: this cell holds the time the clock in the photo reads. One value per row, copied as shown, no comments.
9:04
